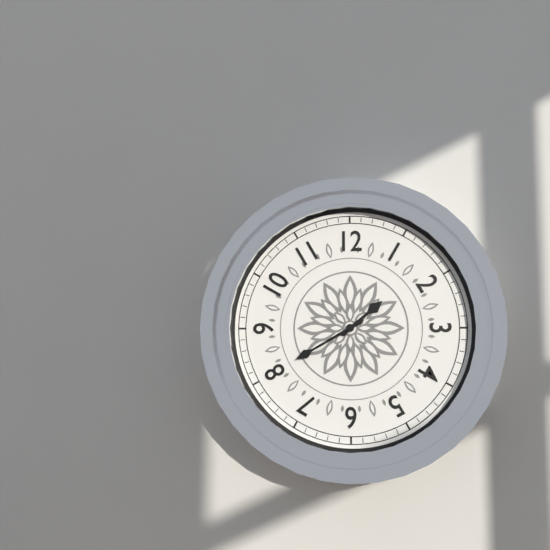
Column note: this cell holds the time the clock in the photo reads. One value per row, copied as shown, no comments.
1:40
